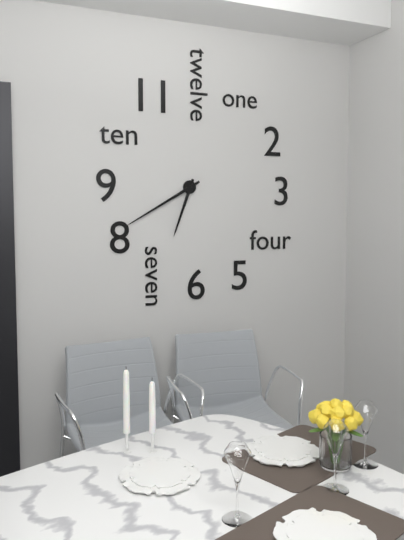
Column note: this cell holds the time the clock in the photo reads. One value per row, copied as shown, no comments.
6:40
